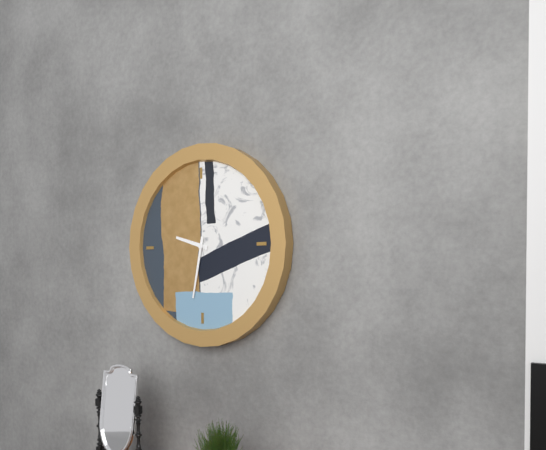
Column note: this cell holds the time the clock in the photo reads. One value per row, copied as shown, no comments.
9:32
